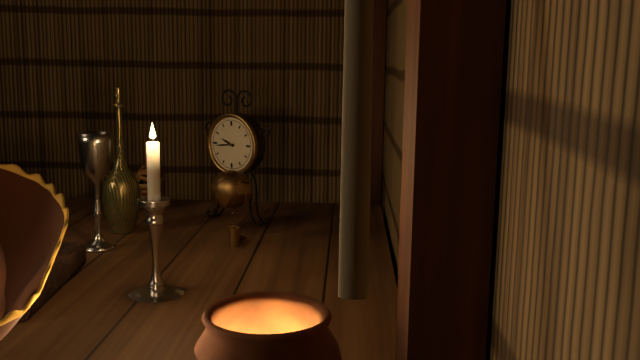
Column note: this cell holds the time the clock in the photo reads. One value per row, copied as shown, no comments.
9:44
